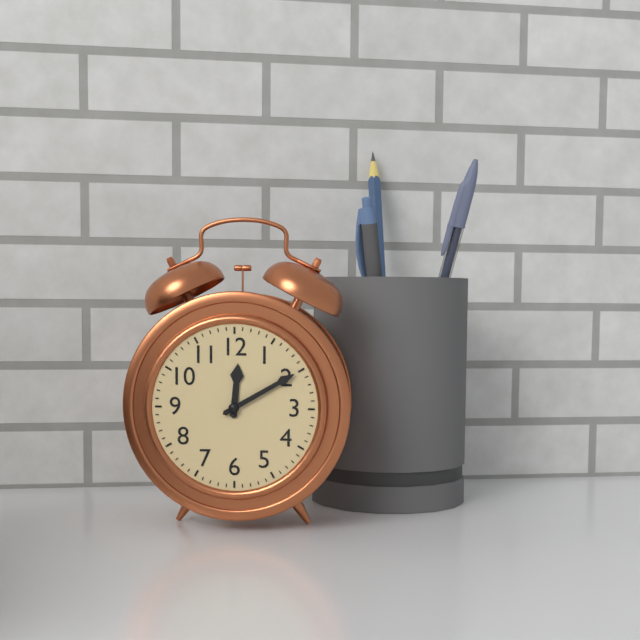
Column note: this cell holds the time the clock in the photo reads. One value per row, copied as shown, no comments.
12:10
